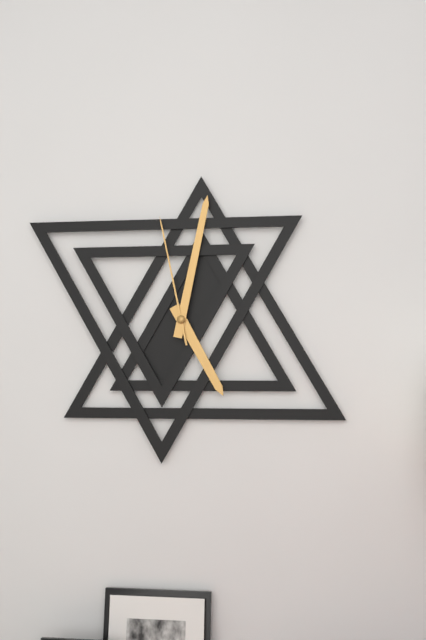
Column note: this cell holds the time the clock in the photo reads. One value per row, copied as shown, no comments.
5:02:58
